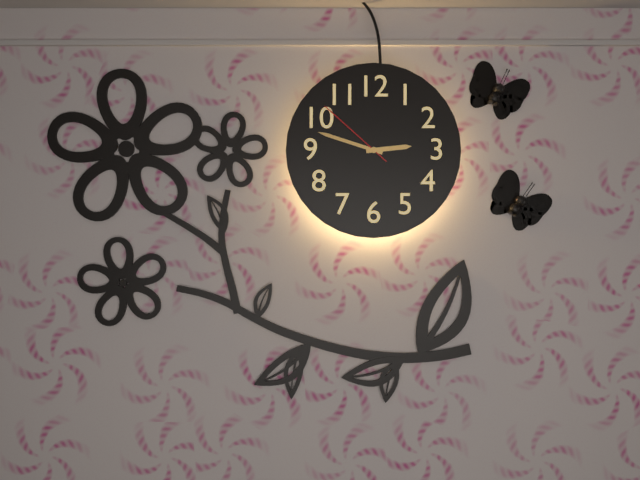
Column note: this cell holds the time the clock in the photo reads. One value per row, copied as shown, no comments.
2:48:52
